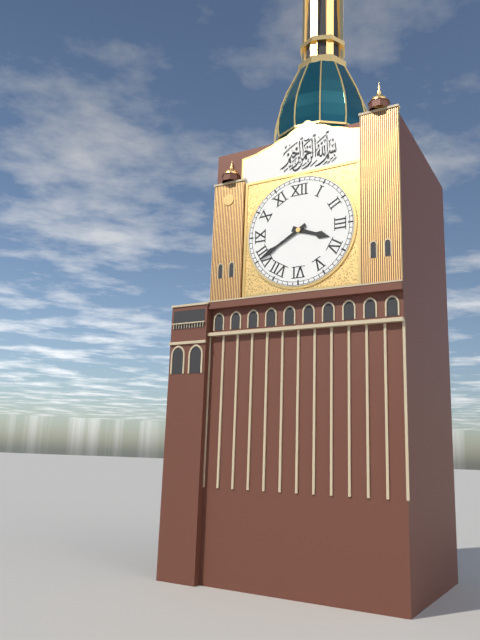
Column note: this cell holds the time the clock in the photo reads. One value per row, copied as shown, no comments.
3:40
